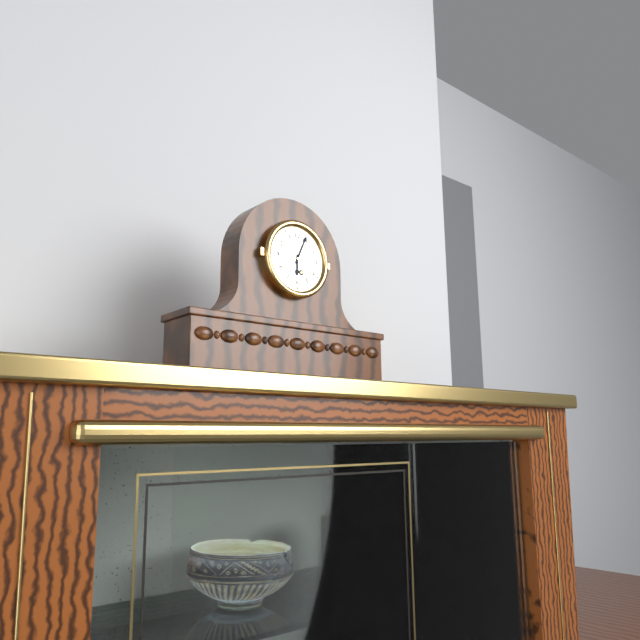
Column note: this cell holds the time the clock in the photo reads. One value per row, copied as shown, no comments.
6:04
